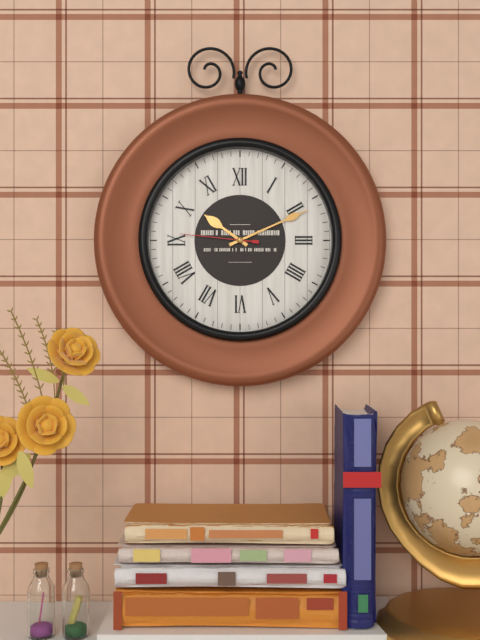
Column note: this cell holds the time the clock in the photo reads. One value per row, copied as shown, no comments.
10:11:46
